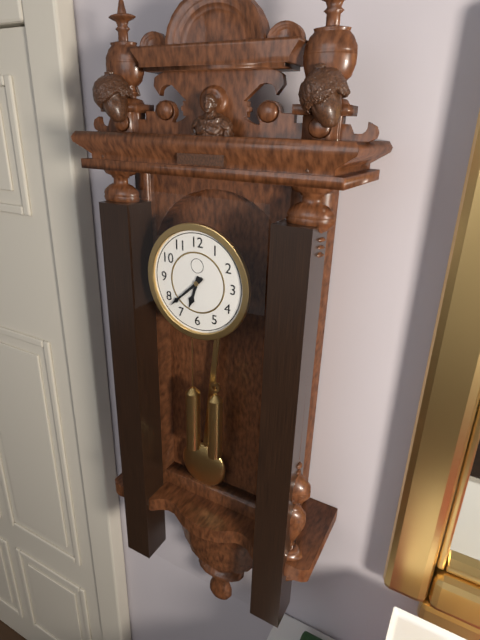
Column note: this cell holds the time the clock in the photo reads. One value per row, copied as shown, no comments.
6:38
